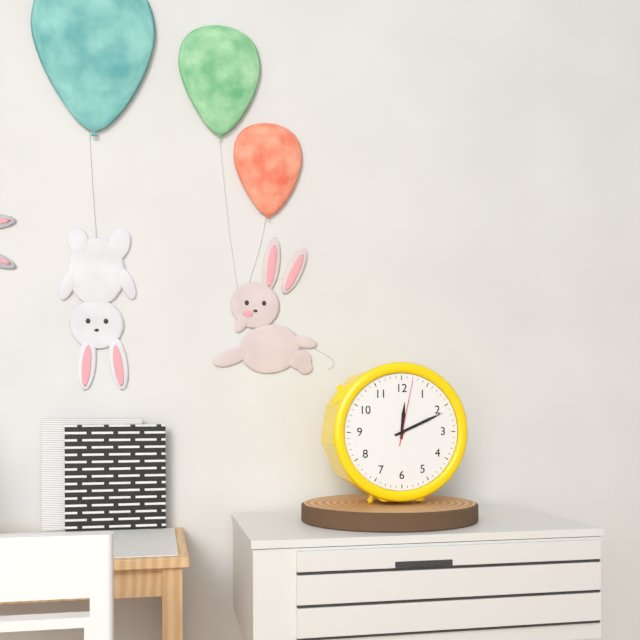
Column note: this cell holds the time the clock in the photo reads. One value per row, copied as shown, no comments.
12:11:02
